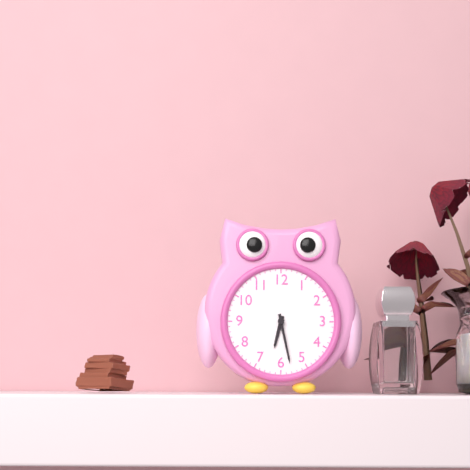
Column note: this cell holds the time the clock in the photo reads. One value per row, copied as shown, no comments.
6:28
